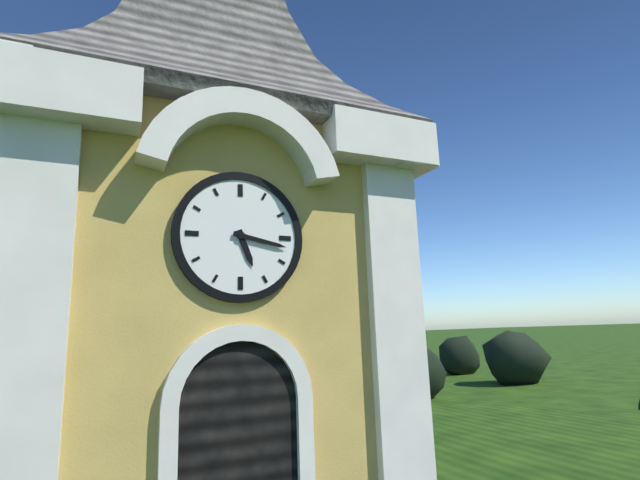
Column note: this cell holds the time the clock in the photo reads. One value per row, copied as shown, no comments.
5:17
